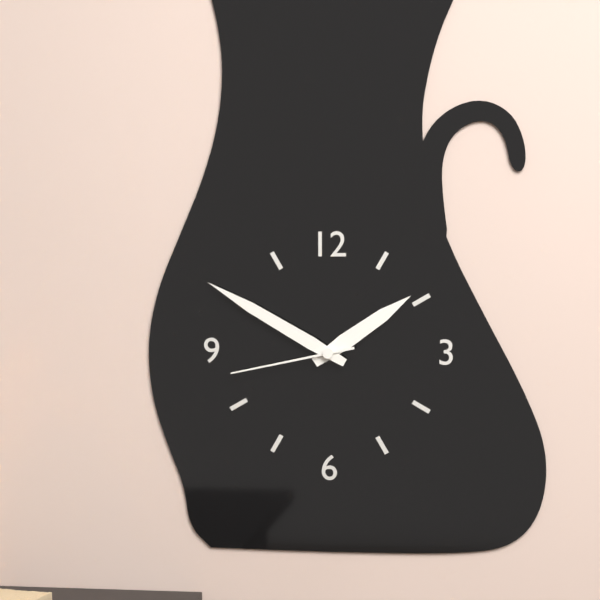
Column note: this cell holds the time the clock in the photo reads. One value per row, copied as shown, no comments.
1:50:43
